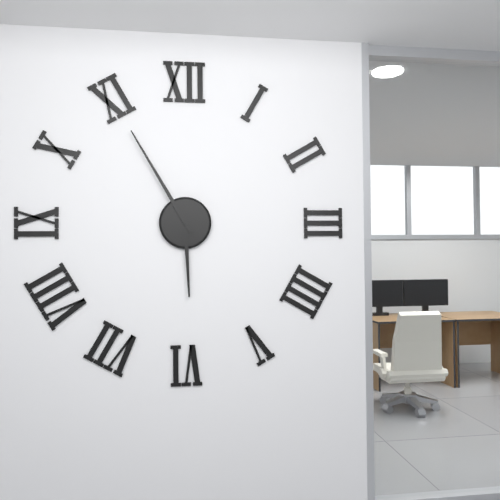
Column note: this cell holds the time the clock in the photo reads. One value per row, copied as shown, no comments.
5:55
